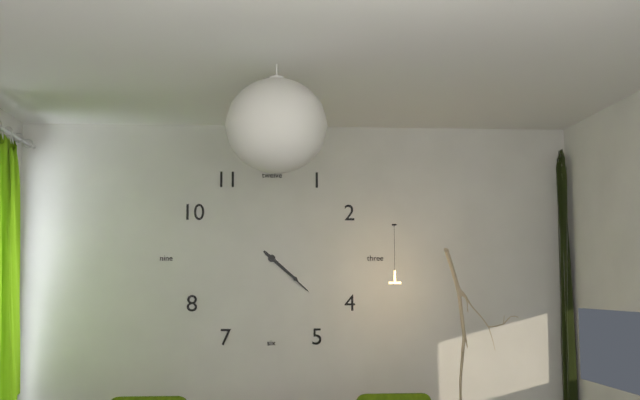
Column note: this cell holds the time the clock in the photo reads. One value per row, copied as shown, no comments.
4:22
